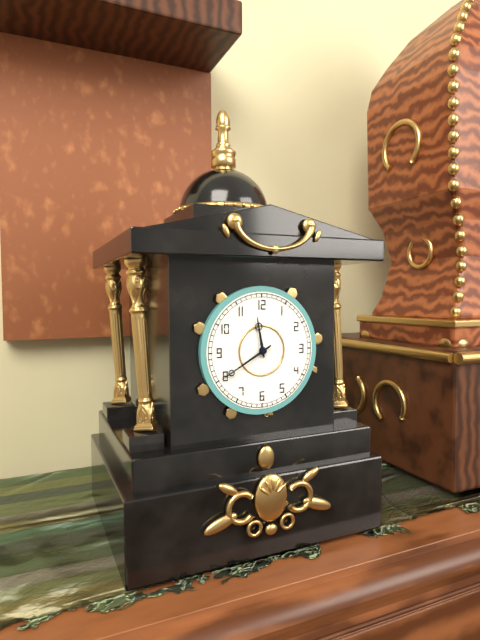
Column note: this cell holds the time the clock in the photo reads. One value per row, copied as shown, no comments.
11:40
